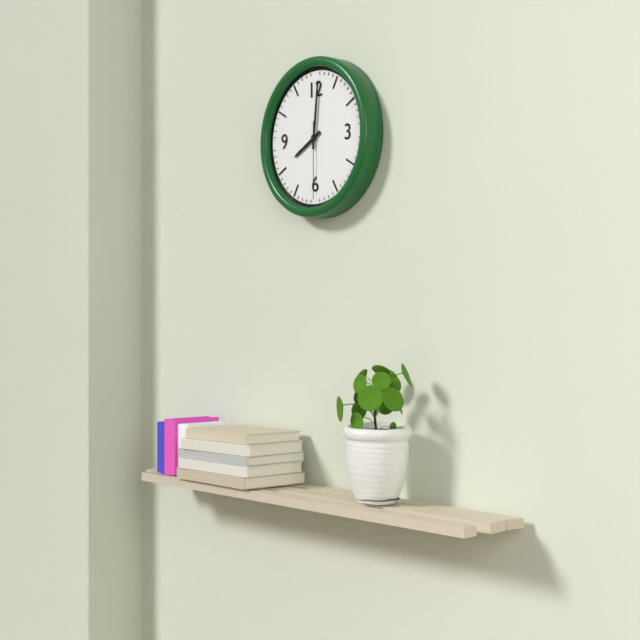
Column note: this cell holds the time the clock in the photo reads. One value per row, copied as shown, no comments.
8:01:30
